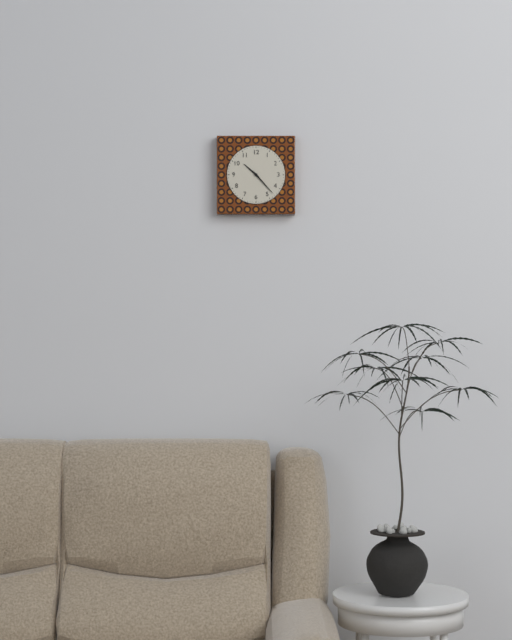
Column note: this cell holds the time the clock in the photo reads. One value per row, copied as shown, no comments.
10:23
